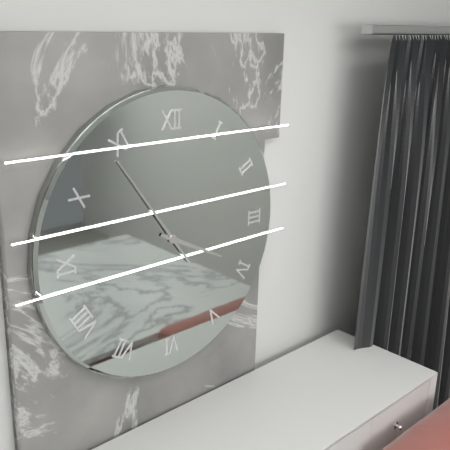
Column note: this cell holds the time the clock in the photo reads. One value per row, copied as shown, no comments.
3:54
